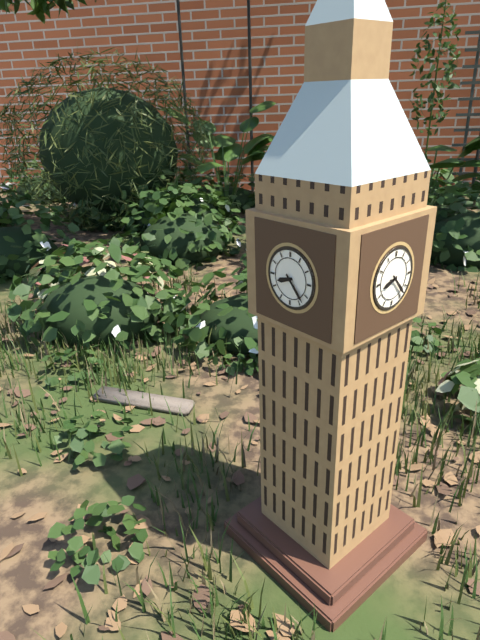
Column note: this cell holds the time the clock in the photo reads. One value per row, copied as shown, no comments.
8:23
